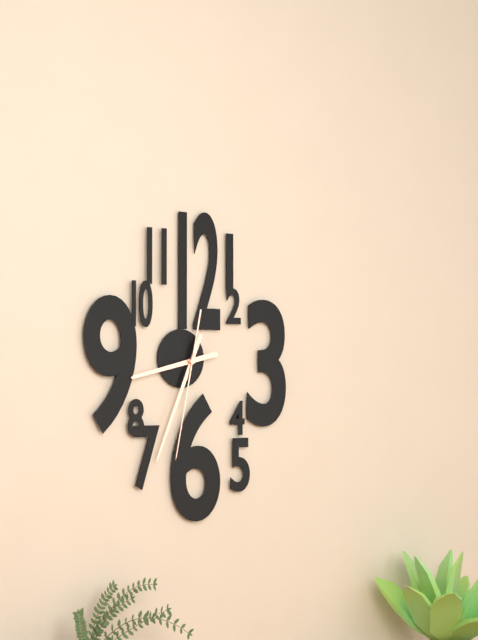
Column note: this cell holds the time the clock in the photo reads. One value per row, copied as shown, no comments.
8:34:32
